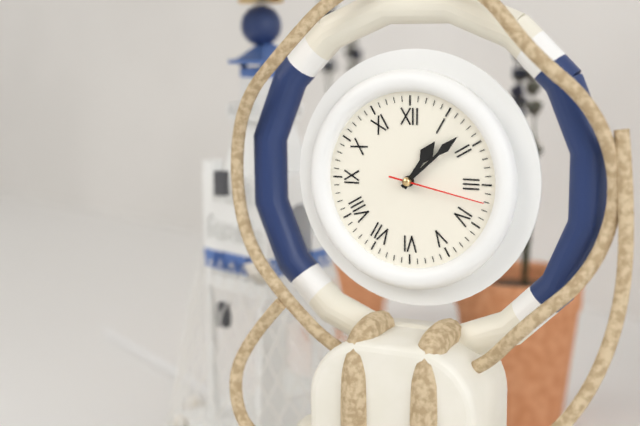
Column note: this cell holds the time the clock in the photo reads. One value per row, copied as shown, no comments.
1:08:17
